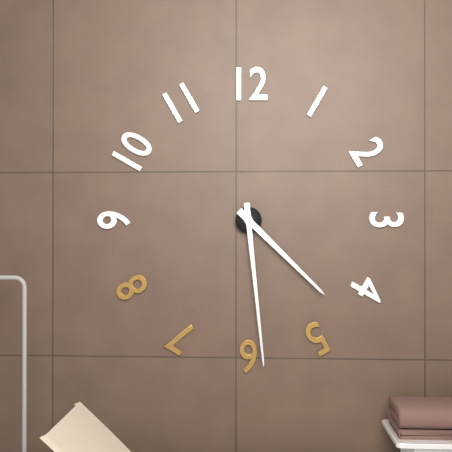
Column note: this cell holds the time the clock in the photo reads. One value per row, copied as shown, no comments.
4:29
